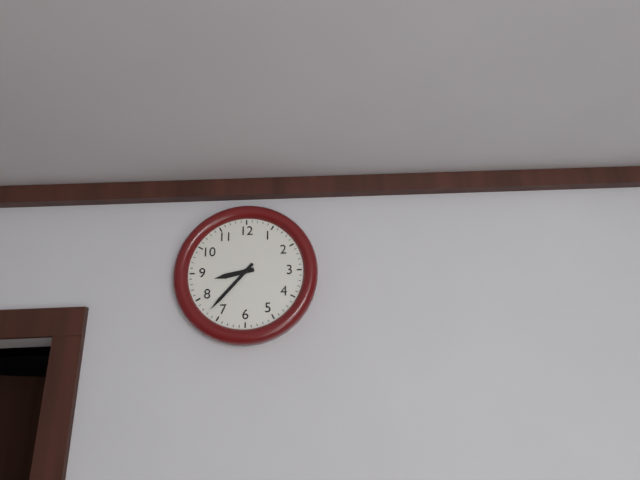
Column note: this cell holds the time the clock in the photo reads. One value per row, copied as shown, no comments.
8:37
